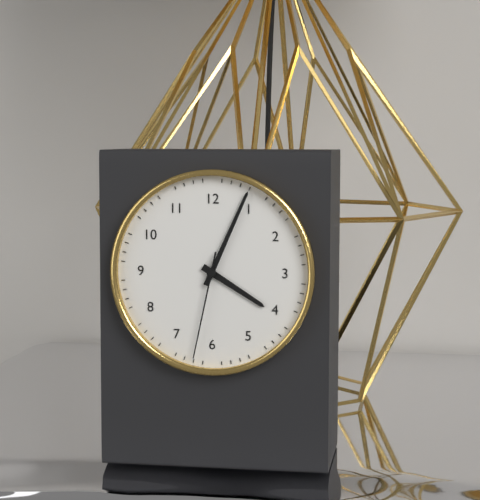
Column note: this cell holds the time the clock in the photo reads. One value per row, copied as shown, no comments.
4:04:32
